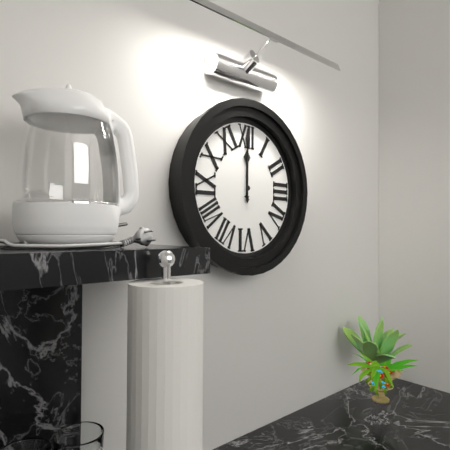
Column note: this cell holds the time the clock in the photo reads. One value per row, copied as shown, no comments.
12:00
